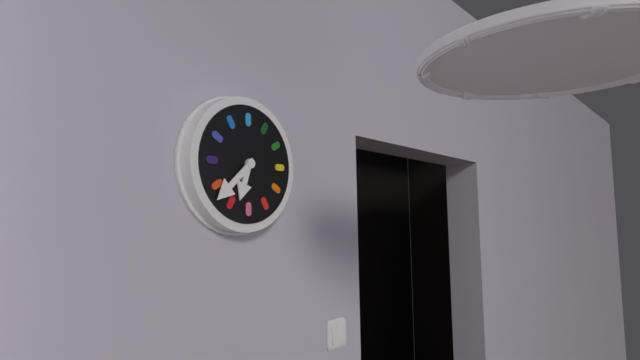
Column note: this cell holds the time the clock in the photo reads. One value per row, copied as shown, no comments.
6:38
